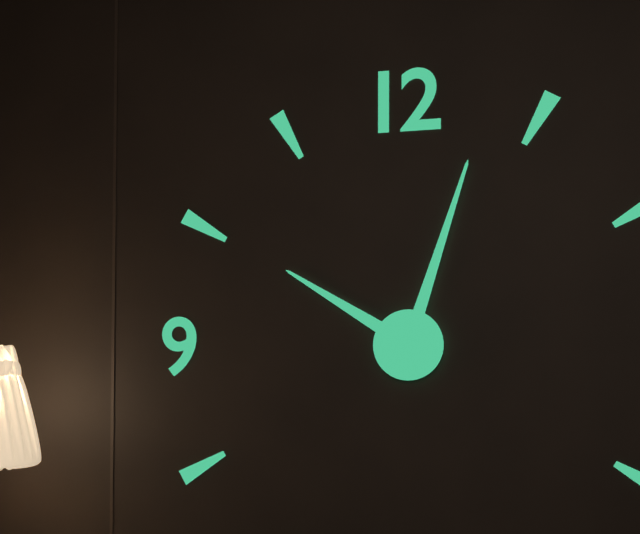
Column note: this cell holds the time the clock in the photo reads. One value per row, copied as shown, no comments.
10:03
